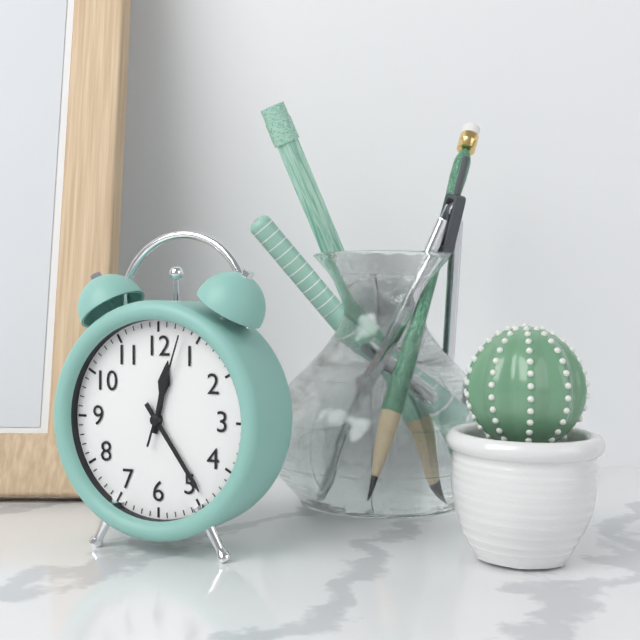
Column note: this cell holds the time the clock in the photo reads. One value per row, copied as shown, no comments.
12:24:03
